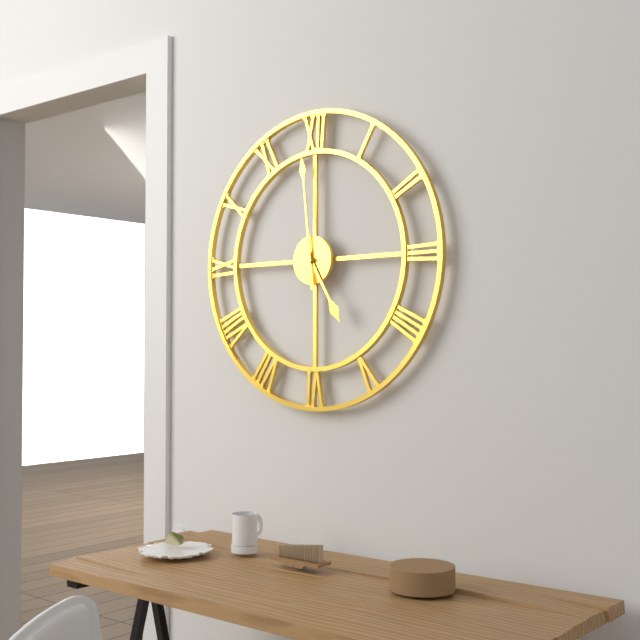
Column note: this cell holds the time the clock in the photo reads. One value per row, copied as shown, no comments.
4:59
